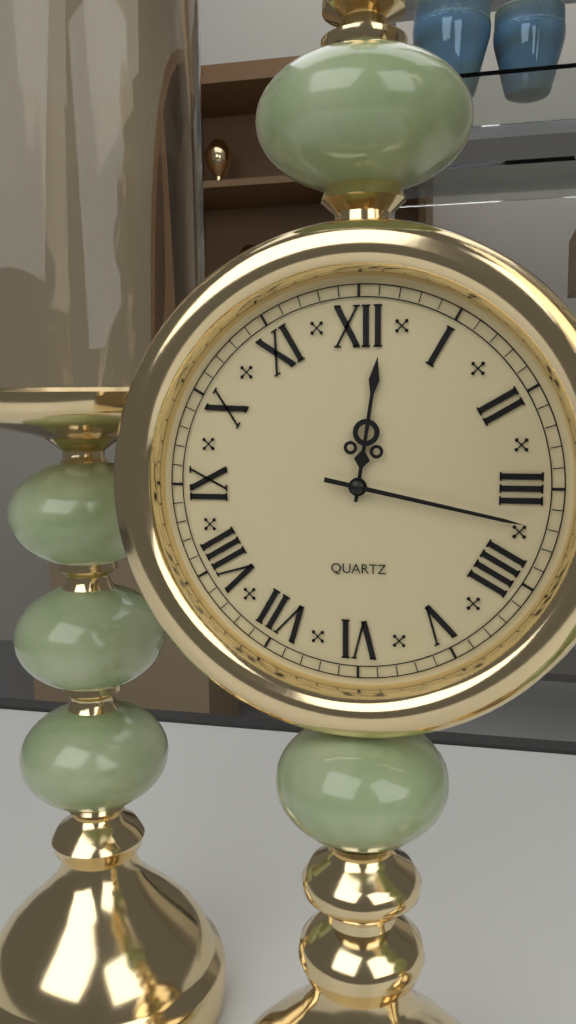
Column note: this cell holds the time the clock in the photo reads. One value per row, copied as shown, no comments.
12:17
